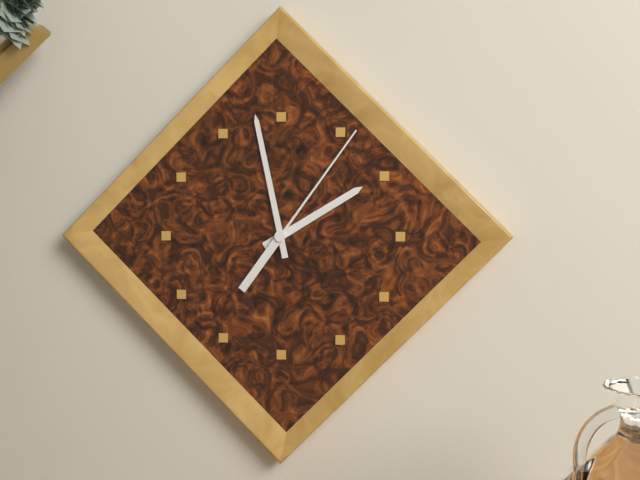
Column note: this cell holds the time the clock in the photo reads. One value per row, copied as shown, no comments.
1:58:06
